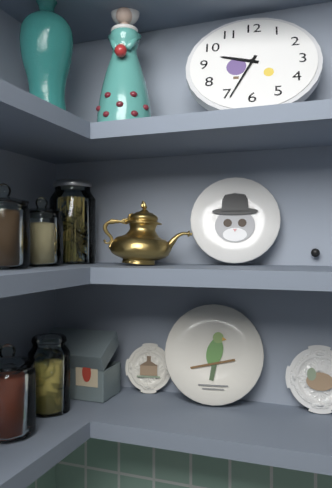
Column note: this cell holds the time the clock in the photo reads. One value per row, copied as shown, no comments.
9:34
